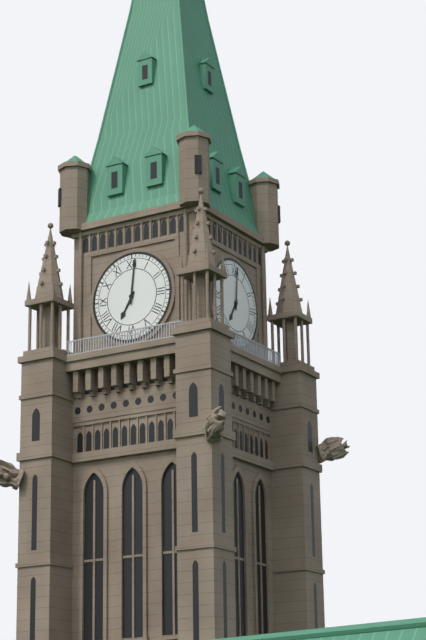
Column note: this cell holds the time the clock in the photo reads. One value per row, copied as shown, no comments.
7:01
